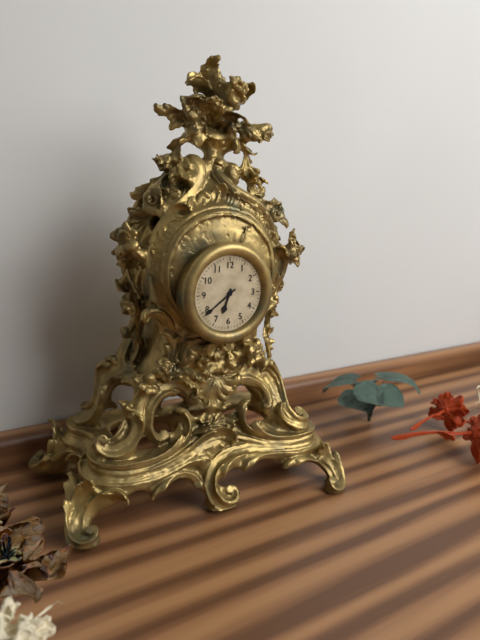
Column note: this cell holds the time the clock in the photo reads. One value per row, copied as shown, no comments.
6:39
